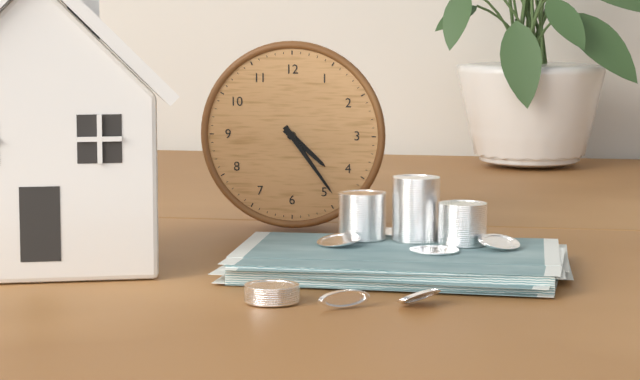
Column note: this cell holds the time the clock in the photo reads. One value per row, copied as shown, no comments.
4:24
